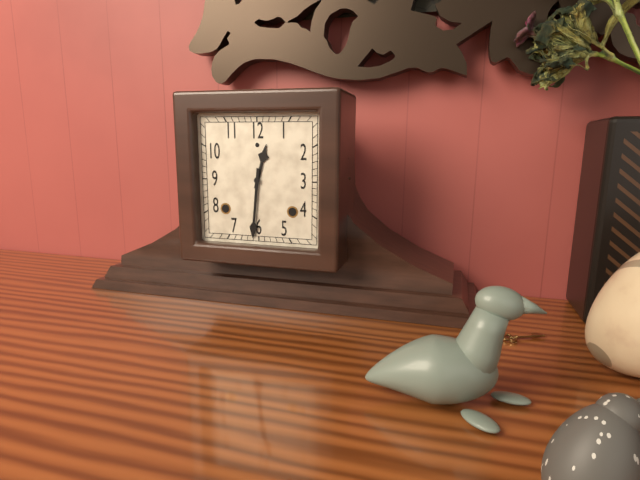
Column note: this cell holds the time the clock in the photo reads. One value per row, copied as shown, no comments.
12:31
